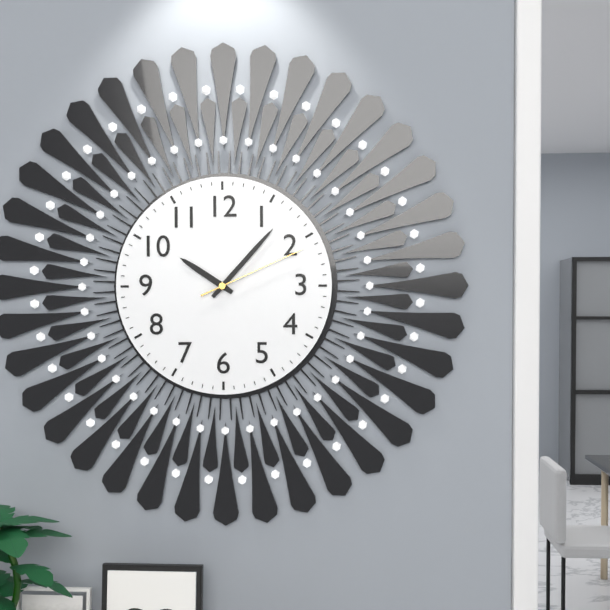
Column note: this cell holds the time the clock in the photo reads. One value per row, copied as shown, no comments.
10:07:11
